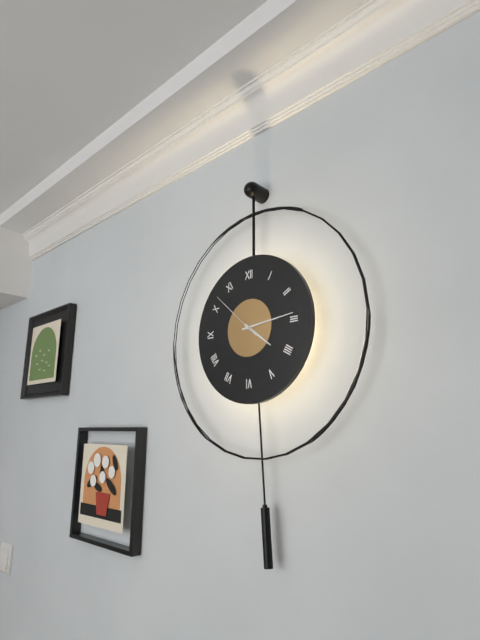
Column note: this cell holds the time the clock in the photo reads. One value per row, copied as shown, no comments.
4:14:52
